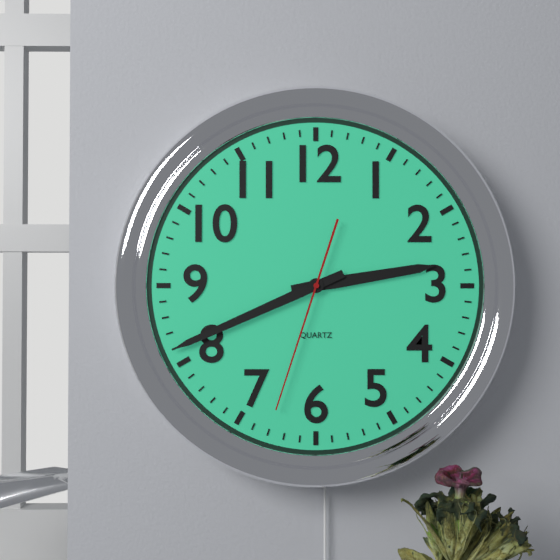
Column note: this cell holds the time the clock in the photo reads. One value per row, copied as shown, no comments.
2:41:33
